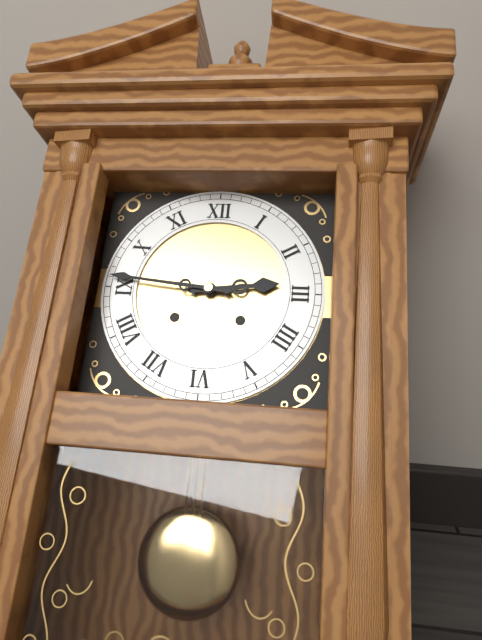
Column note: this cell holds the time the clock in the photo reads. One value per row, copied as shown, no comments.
2:46
